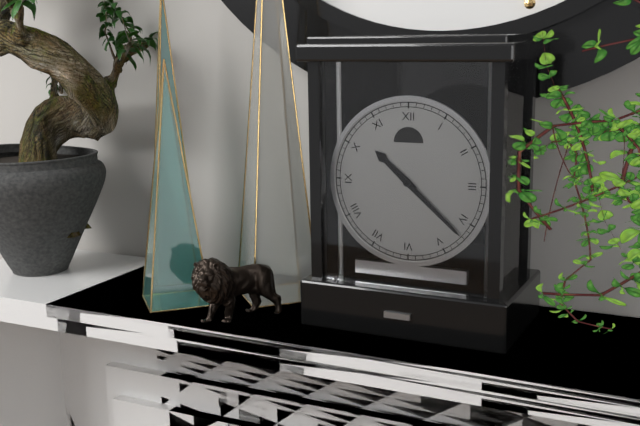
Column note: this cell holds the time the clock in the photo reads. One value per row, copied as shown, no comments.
10:22
